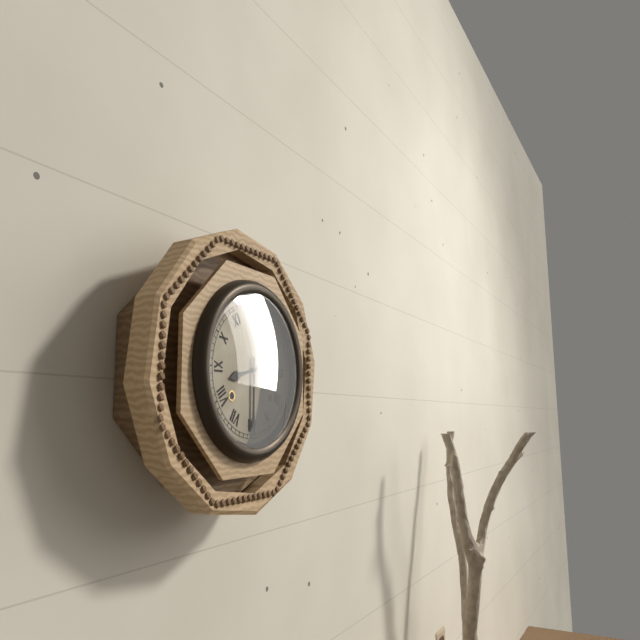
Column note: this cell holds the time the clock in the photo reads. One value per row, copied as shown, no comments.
8:30
